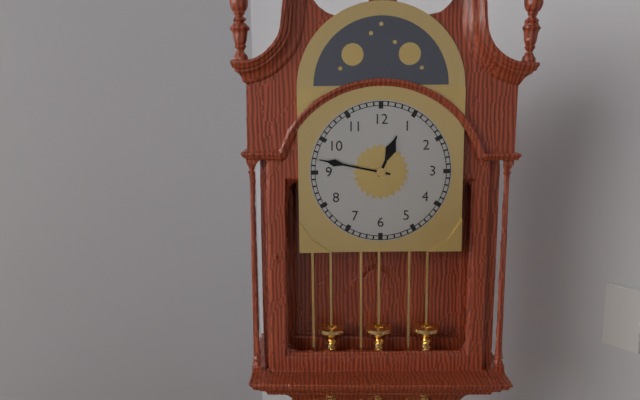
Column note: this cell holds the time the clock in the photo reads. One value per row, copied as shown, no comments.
12:47
